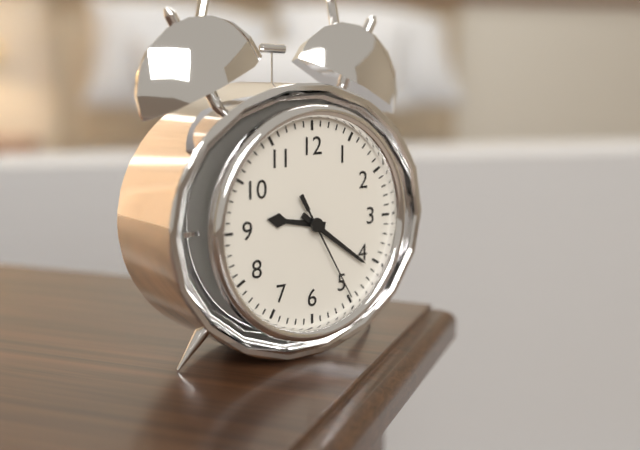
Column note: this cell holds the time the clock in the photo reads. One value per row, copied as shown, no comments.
9:21:25
